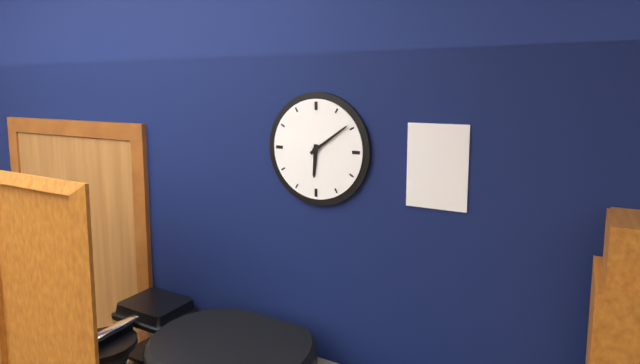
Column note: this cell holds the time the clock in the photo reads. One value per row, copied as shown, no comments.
6:09
